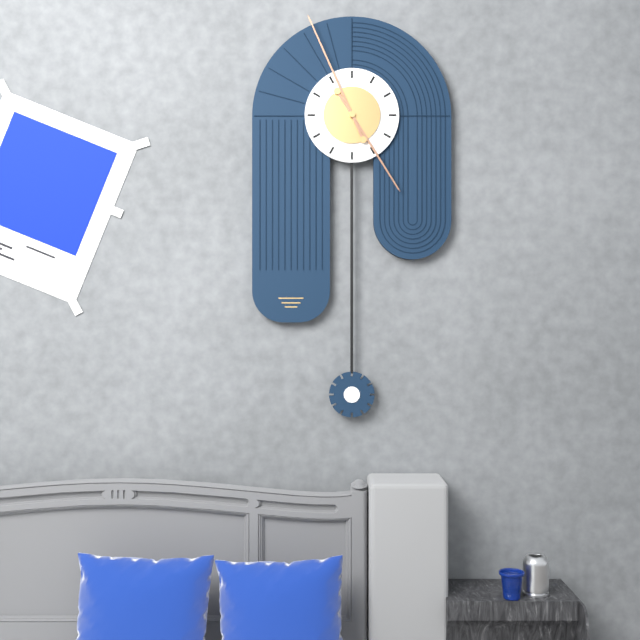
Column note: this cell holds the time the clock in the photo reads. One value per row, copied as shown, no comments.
4:56
